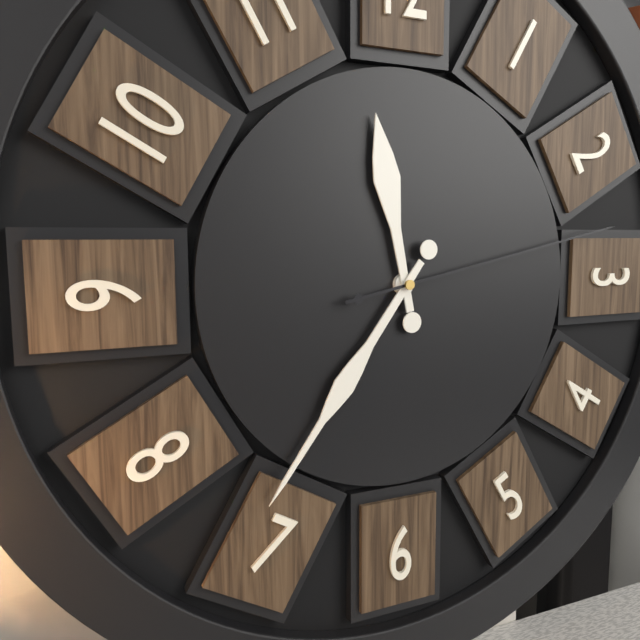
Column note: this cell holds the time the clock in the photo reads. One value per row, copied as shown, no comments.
11:36:13
